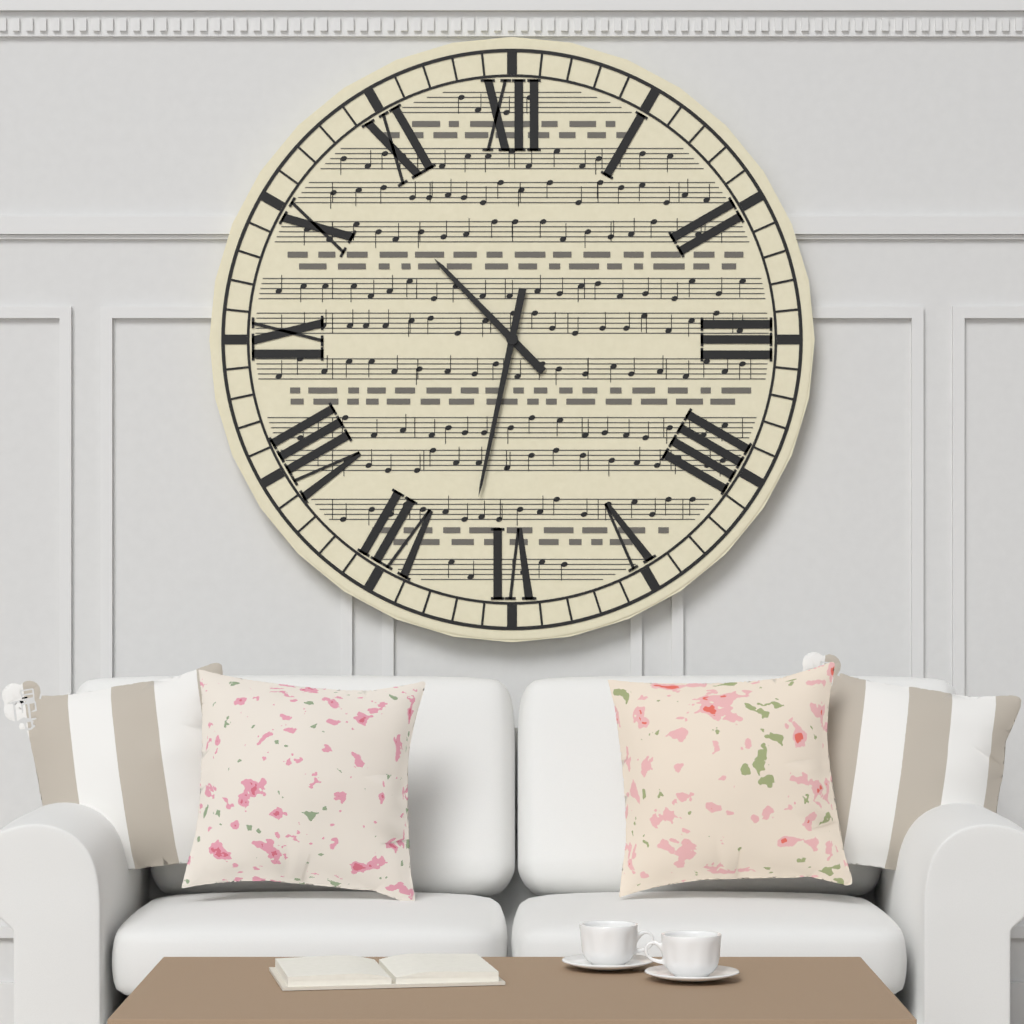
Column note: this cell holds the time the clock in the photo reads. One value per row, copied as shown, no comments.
10:32
